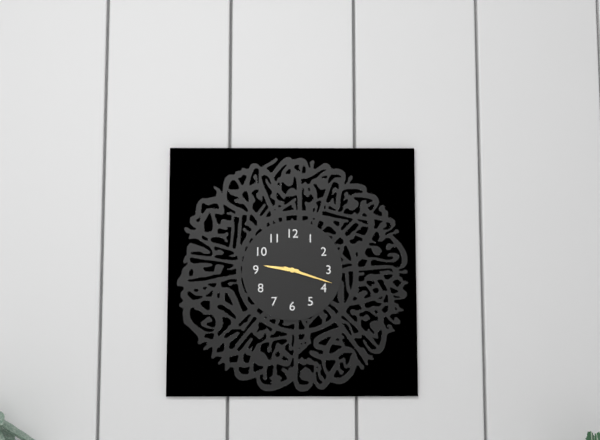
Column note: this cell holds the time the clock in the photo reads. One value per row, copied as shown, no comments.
9:18
